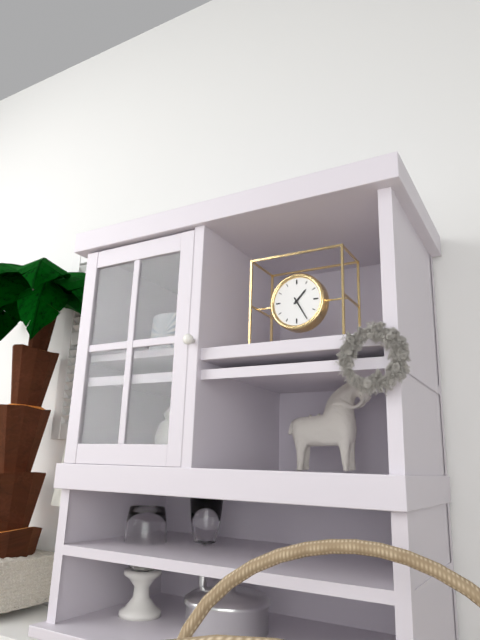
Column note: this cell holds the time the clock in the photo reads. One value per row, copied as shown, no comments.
1:25
